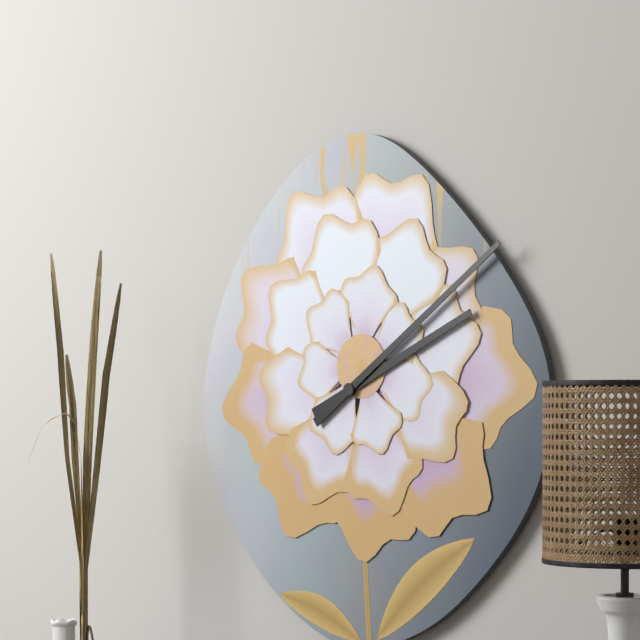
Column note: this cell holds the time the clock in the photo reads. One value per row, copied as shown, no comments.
2:09
